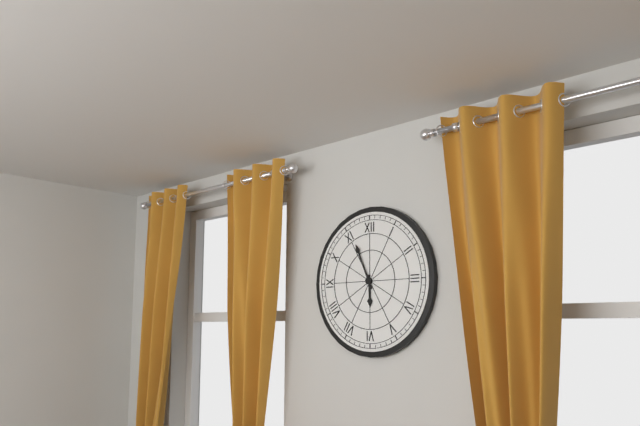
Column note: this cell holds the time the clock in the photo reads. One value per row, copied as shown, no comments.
5:56
